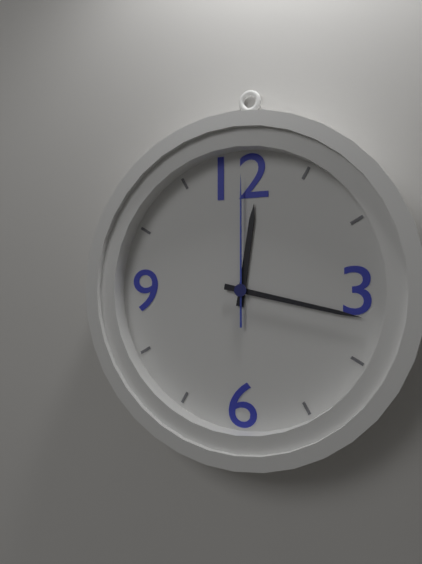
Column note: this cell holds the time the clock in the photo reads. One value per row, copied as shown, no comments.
12:17:00
